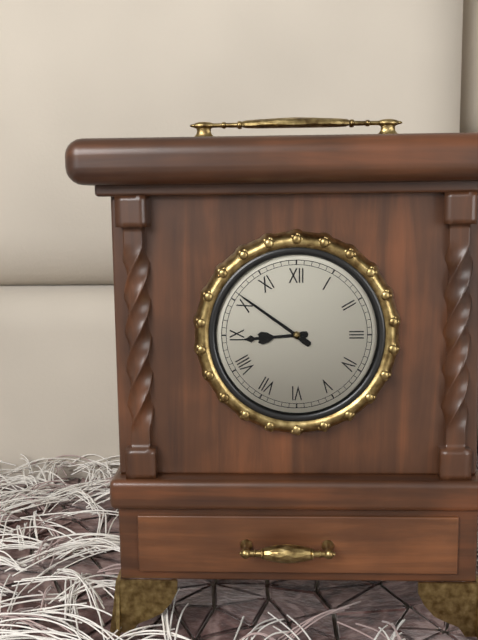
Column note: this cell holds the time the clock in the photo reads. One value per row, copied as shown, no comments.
8:51
